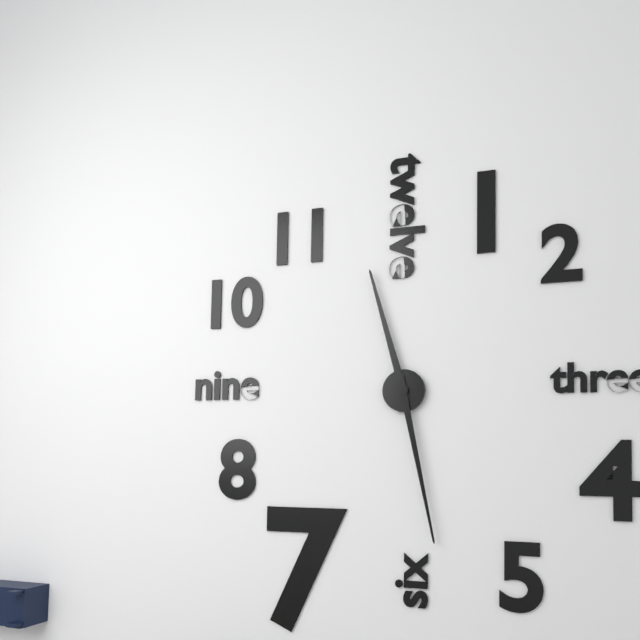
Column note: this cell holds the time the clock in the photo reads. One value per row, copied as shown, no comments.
11:28
